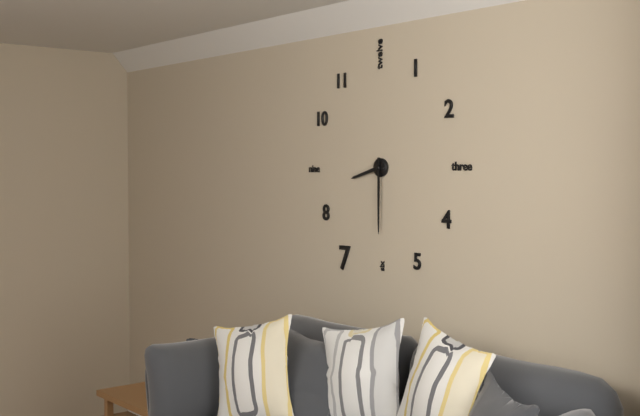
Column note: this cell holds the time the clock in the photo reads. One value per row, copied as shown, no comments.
8:30
